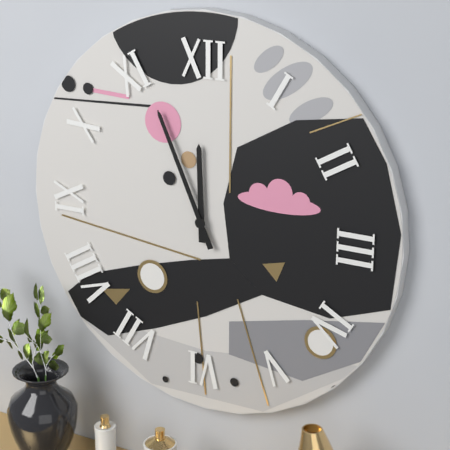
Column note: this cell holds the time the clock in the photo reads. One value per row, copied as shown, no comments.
11:56
